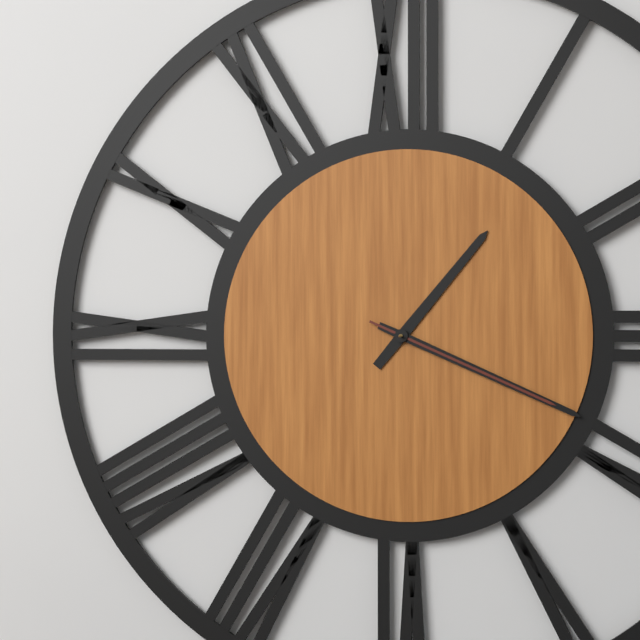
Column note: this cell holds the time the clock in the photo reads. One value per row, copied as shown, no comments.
1:19:19
